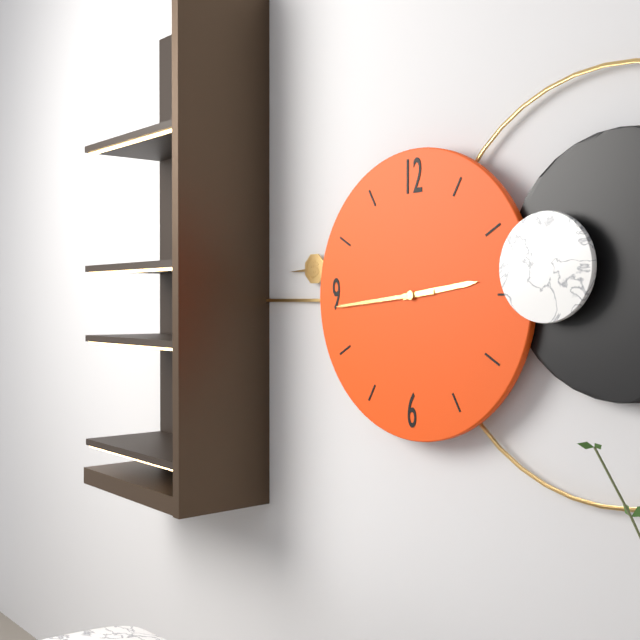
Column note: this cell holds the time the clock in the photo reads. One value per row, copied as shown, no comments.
2:44
